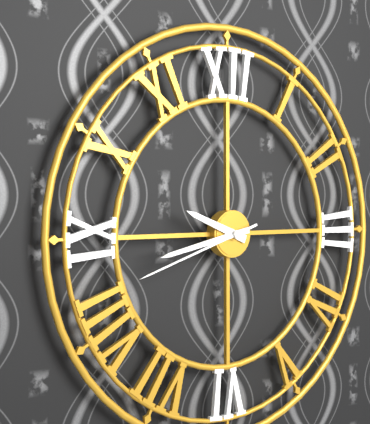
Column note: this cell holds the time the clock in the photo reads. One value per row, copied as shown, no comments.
9:43:42
